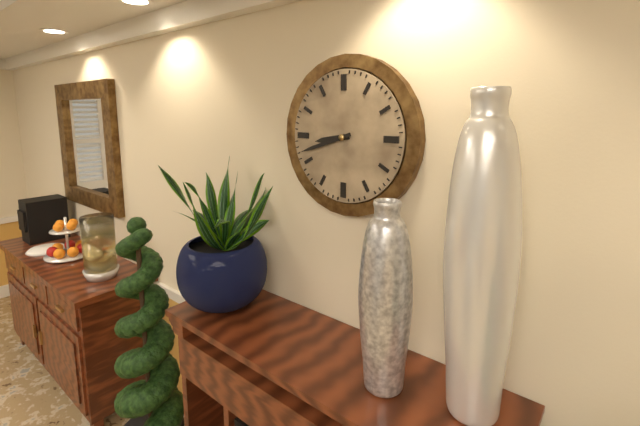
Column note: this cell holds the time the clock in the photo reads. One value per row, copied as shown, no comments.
8:42
